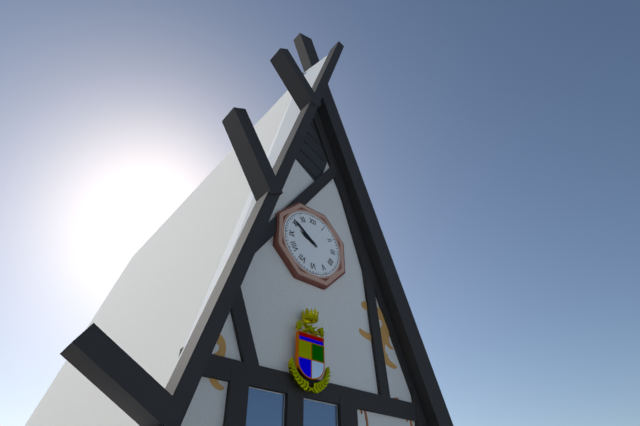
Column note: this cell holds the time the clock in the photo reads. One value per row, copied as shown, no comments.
9:51
